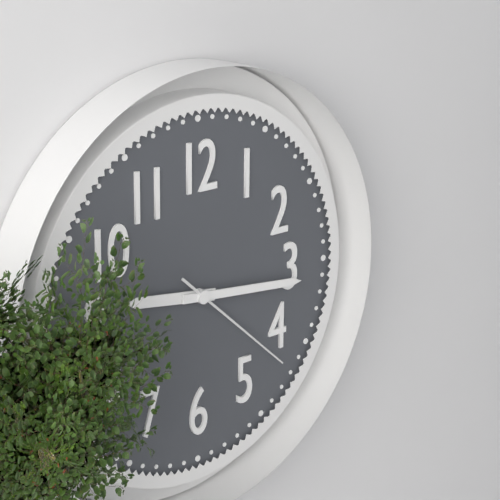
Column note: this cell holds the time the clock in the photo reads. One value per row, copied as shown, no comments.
9:16:22
